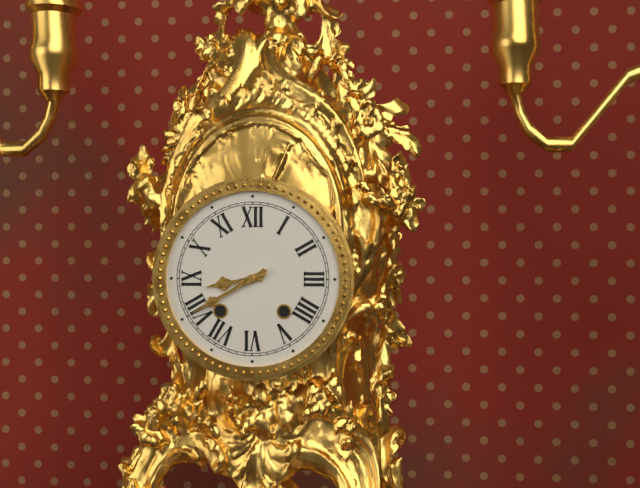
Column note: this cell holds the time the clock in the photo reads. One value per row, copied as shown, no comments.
8:40
